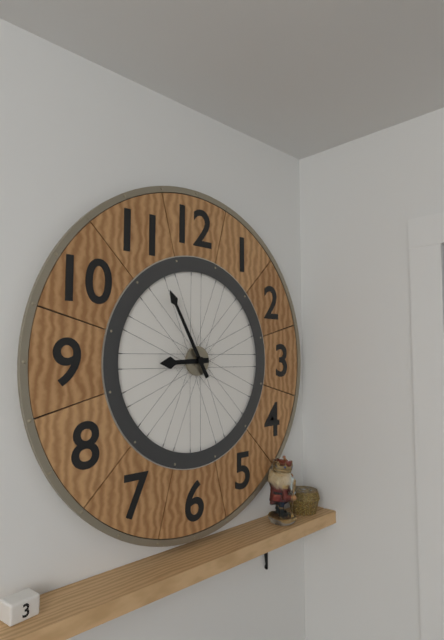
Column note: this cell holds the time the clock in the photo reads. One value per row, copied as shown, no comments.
8:55
